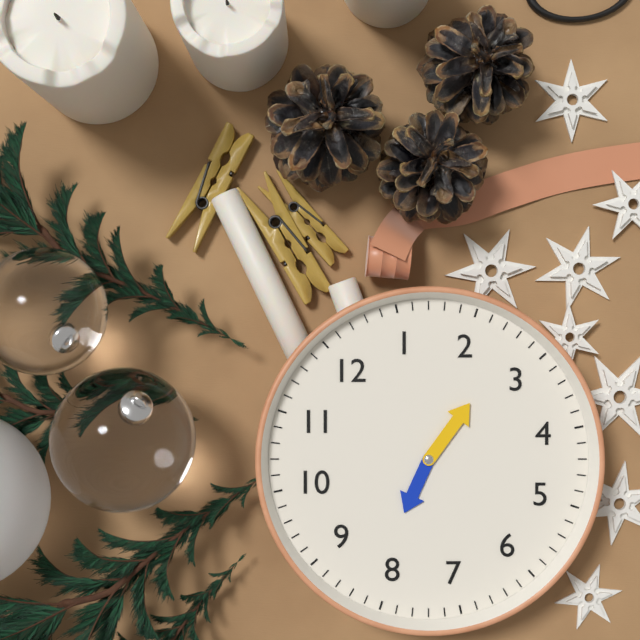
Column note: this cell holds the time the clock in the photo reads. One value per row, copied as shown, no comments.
8:13
